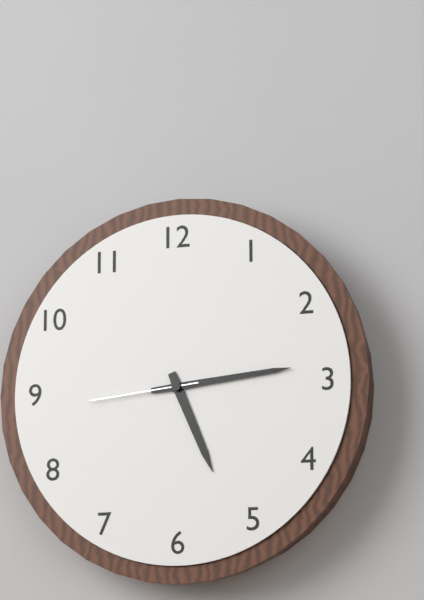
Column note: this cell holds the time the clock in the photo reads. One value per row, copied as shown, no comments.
5:14:44
